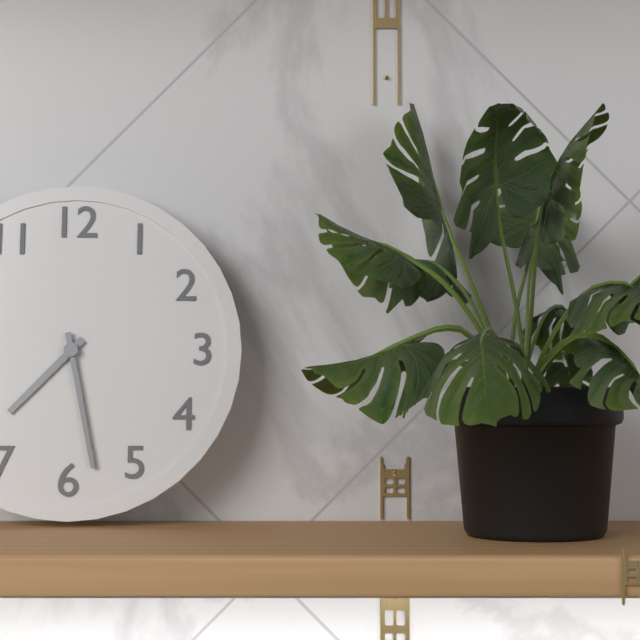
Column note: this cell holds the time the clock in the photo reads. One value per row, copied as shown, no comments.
7:28
